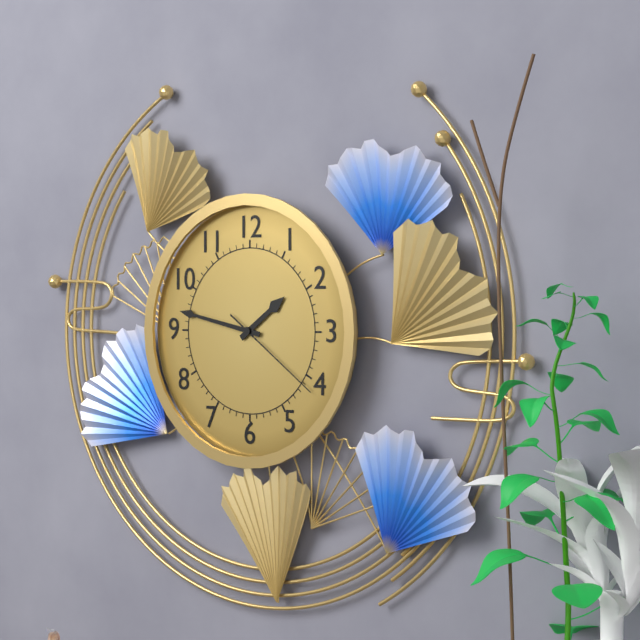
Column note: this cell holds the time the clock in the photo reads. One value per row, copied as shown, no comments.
1:47:21
